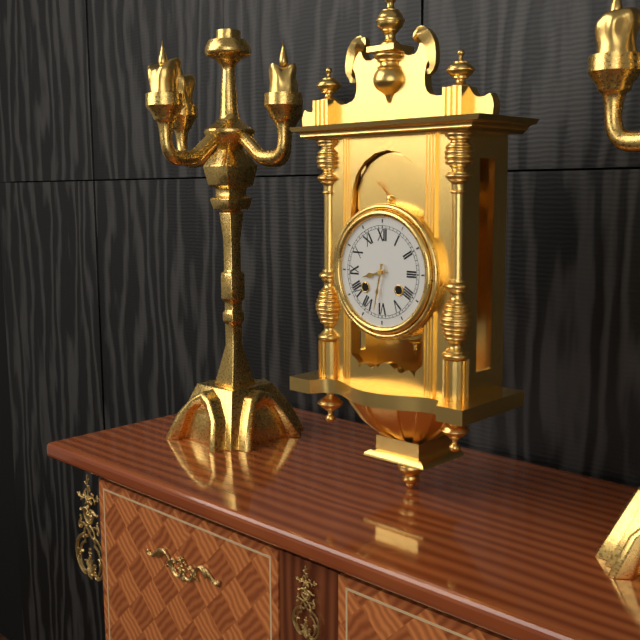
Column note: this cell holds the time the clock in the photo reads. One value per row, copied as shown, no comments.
8:32
